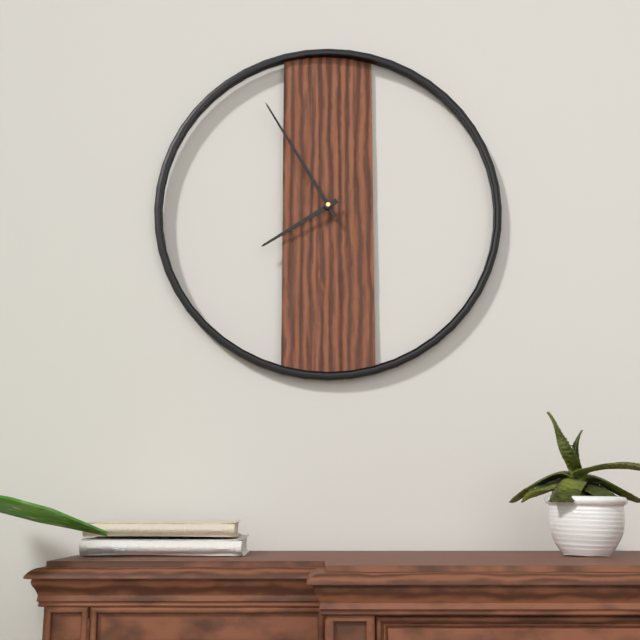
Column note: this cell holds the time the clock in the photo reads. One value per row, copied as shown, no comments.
7:55
